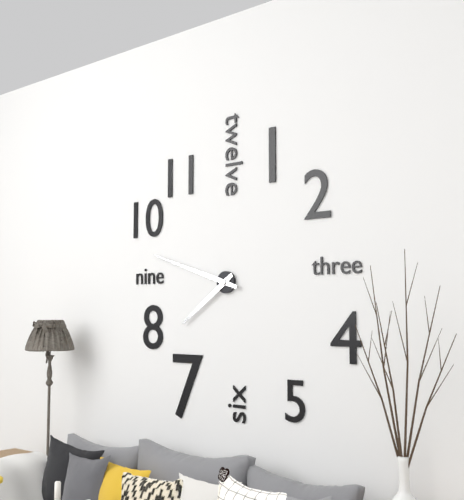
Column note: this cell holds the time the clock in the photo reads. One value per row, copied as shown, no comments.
7:48
